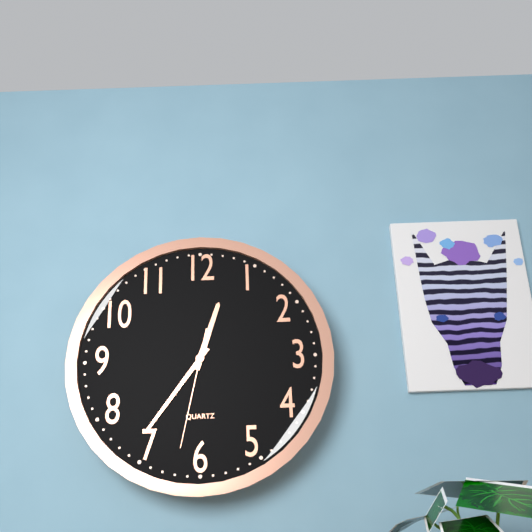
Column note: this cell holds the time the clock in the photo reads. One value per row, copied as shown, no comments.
12:36:32
